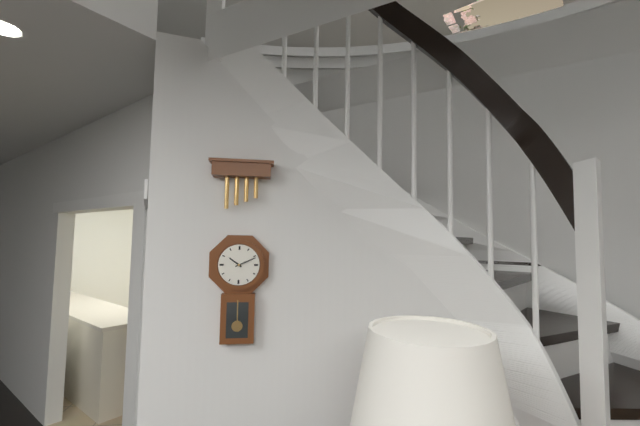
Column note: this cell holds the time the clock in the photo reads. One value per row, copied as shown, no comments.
10:11
